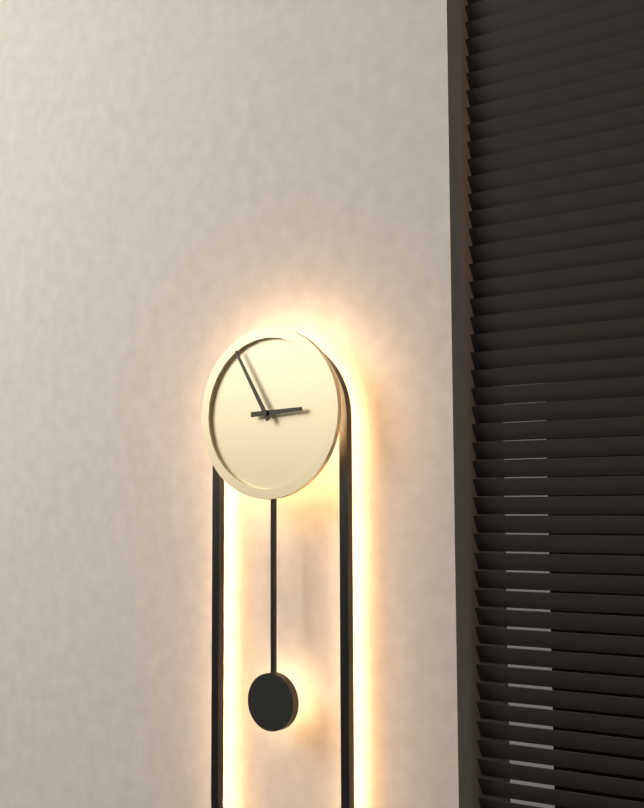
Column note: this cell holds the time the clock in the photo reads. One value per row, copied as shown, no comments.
2:55
